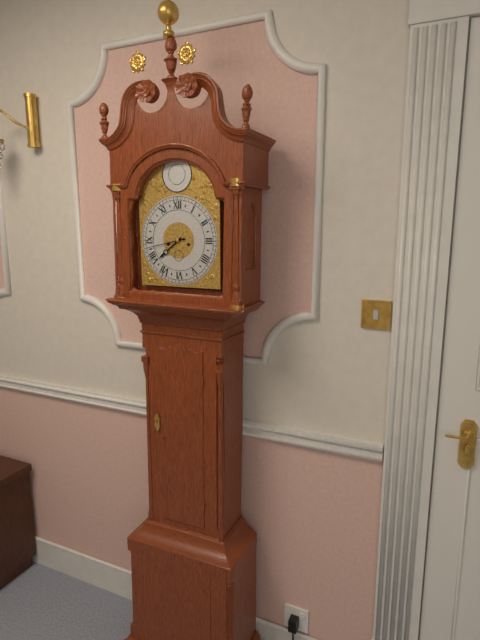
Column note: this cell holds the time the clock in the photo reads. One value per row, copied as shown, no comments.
7:43
